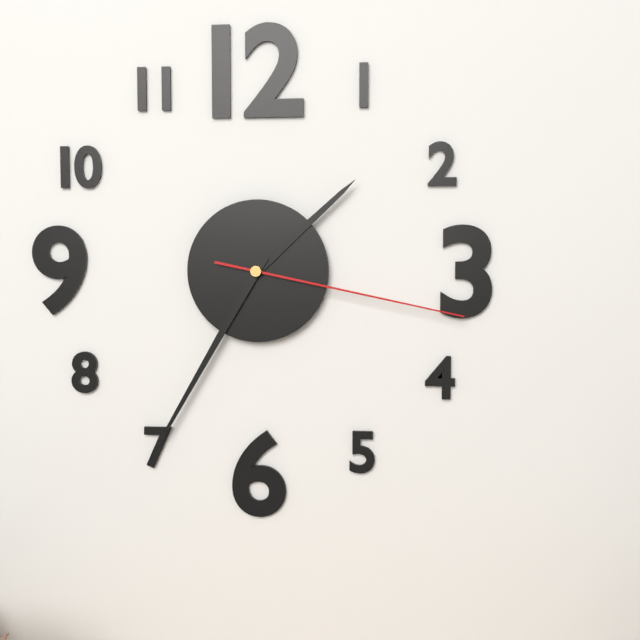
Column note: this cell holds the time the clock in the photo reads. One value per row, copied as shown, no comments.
1:35:17
